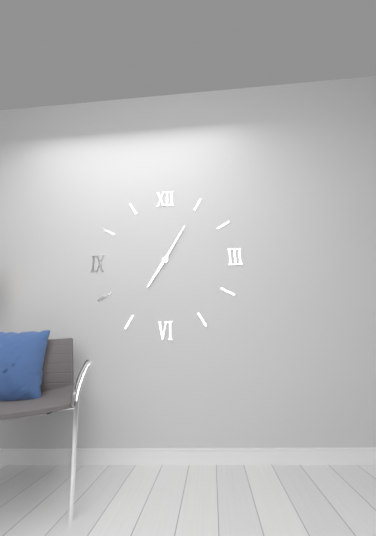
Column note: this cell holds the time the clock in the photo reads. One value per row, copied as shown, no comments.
7:05
